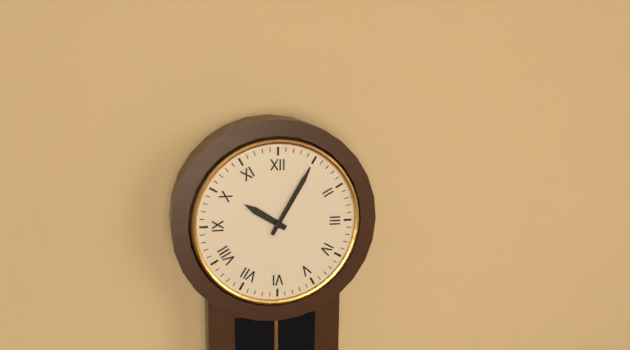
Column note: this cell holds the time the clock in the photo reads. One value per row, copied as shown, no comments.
10:05
